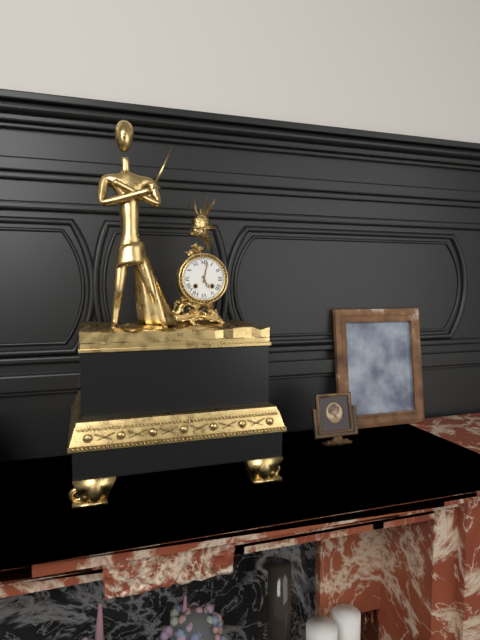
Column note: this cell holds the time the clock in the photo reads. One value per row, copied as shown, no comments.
5:02
